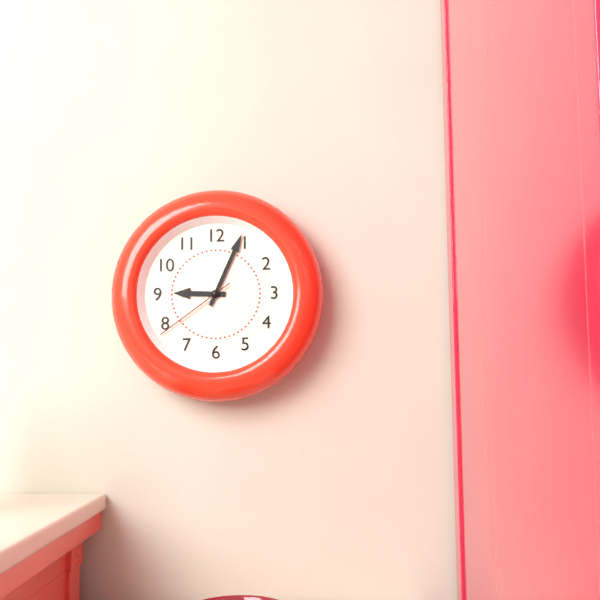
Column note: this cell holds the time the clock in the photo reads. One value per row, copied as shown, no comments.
9:04:39
